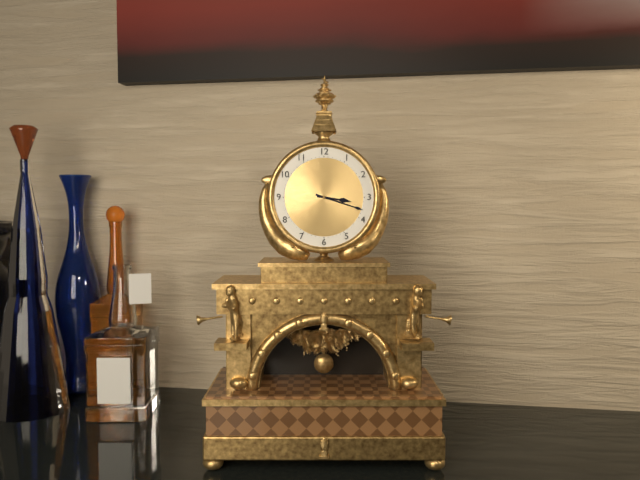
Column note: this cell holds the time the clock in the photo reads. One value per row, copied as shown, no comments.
3:18
